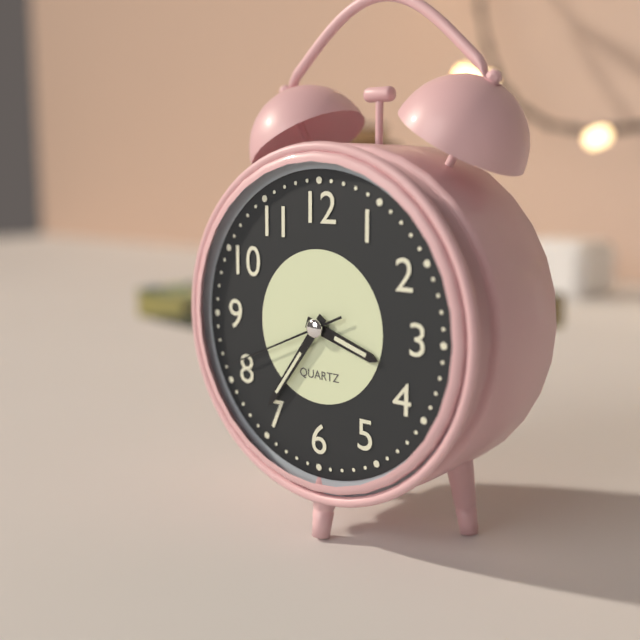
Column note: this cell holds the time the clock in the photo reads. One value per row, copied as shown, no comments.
3:36:41
